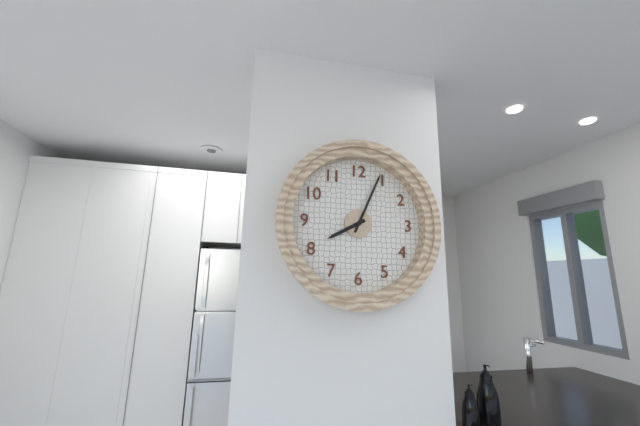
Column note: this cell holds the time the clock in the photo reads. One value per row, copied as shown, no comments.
8:04
